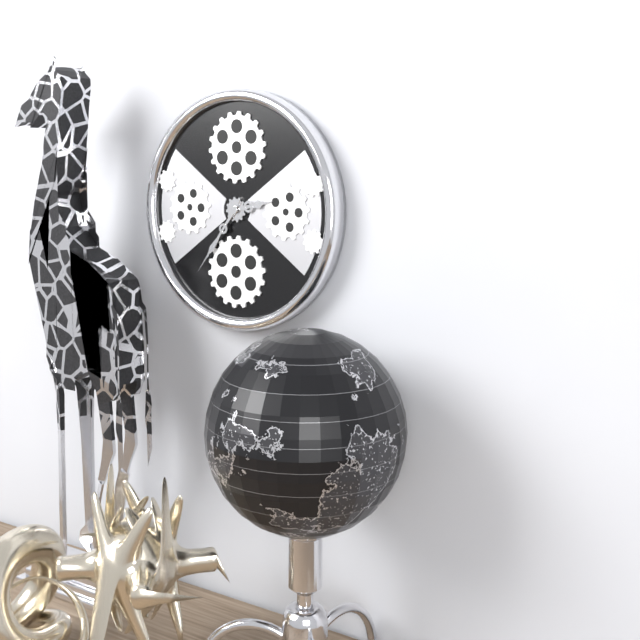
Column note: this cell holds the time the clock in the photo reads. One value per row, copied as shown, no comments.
2:36
